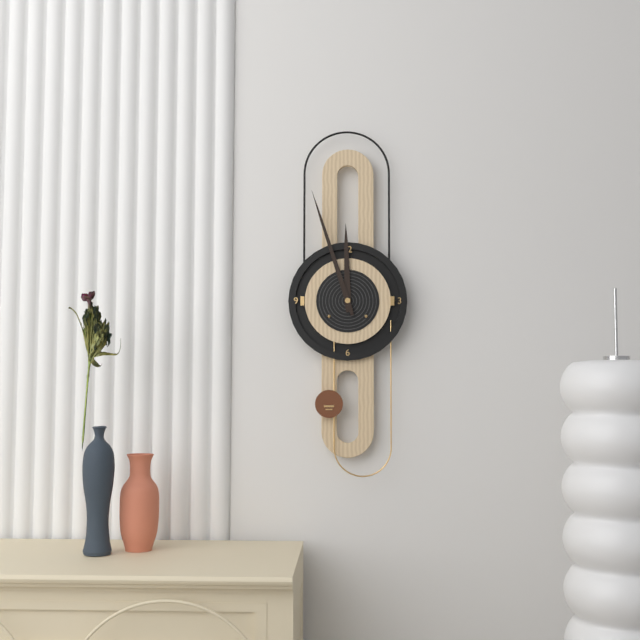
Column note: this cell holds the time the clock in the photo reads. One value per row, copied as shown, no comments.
11:57
